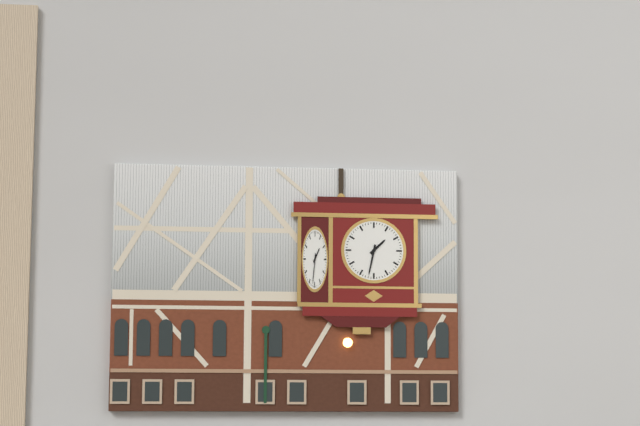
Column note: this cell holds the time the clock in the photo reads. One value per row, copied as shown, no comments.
1:32
